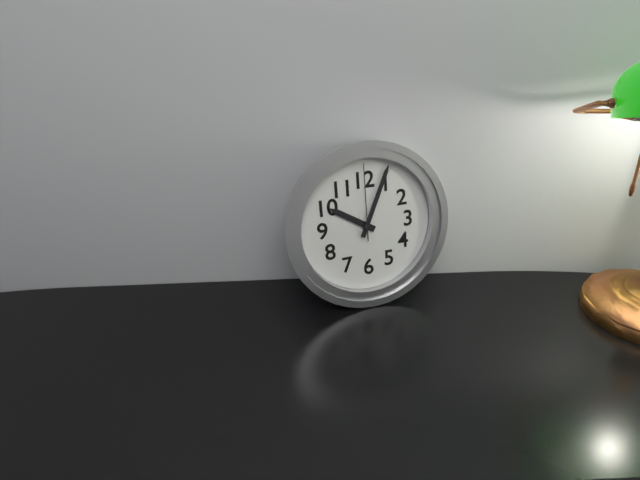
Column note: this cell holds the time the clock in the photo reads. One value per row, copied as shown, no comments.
10:04:00
